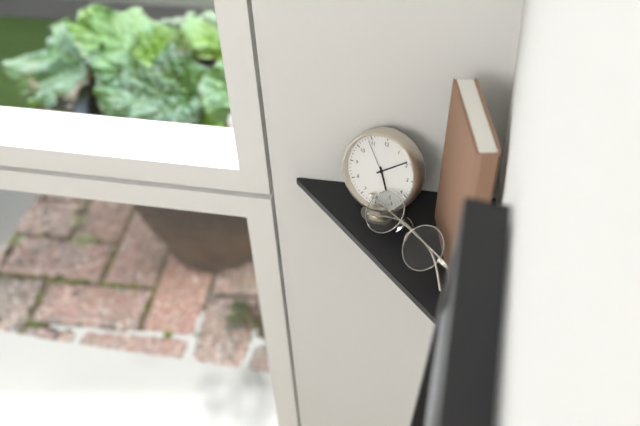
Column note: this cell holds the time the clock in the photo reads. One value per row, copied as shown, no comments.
5:09
